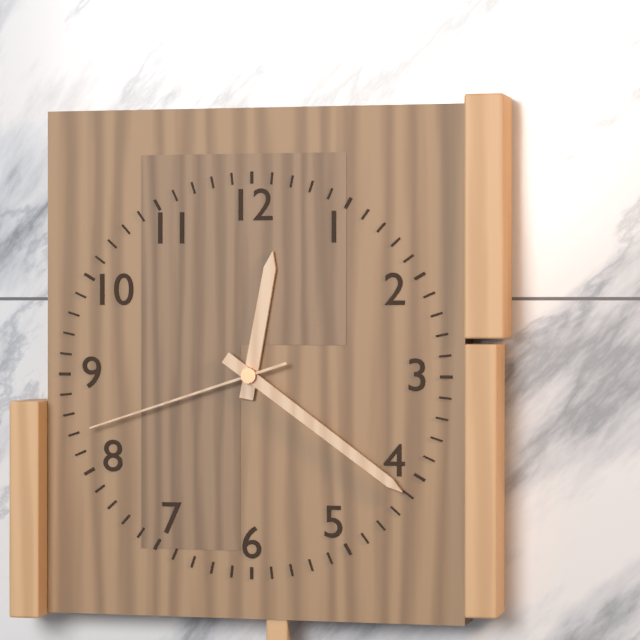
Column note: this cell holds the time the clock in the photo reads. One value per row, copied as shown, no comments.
12:21:42
